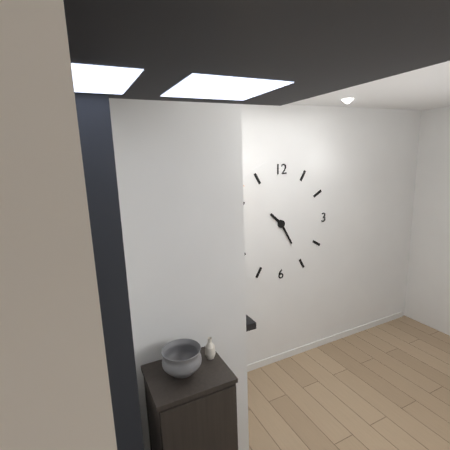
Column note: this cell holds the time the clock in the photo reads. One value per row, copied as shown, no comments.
10:25
